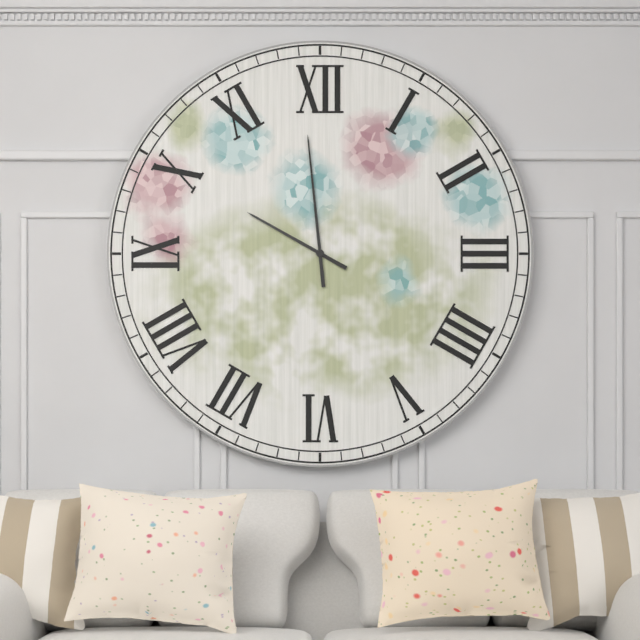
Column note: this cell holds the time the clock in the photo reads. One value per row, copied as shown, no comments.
9:59
